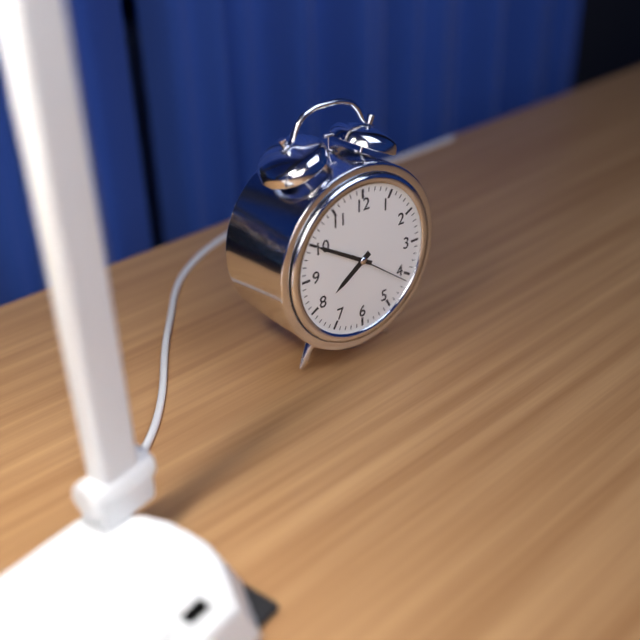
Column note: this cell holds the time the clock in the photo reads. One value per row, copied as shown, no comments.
7:50:21
